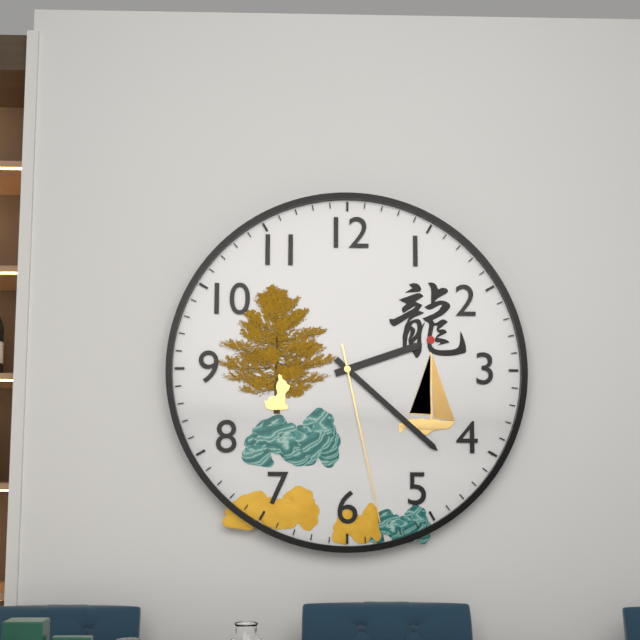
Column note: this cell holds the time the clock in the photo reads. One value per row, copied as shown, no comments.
2:22:28
